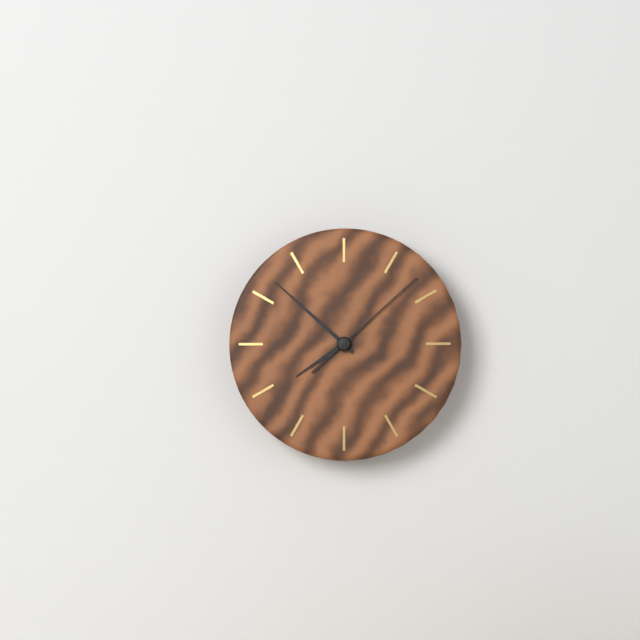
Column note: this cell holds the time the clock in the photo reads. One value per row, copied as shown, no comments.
7:52:08
